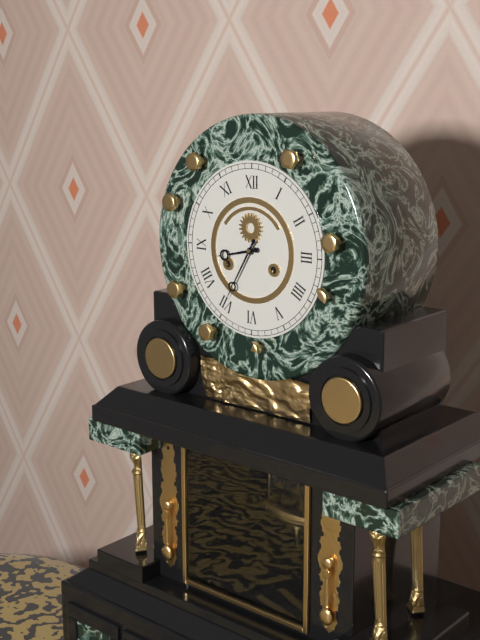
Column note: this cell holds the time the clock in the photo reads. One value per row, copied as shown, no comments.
8:35
